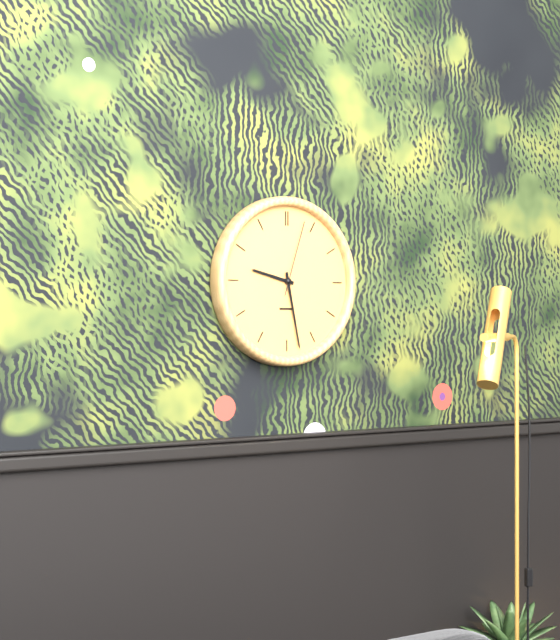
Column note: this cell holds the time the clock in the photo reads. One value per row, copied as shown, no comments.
9:28:03
